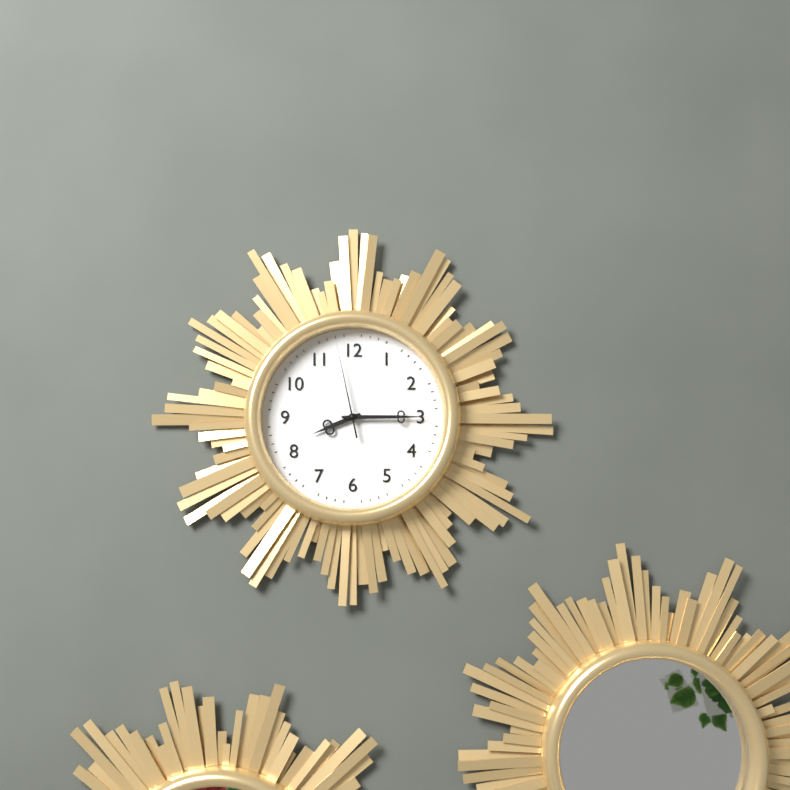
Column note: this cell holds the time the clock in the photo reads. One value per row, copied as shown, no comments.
8:15:58
